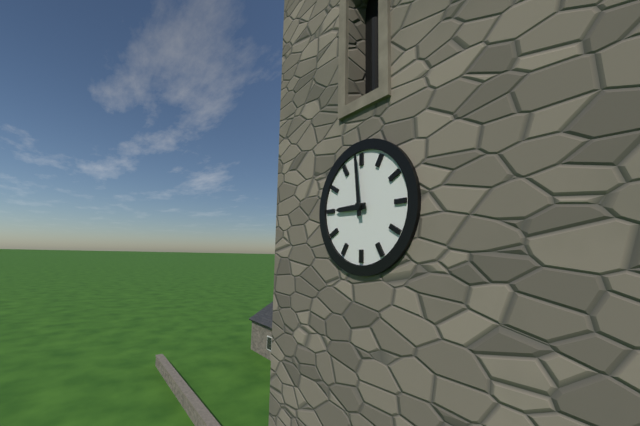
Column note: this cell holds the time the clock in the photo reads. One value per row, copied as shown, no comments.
8:59
